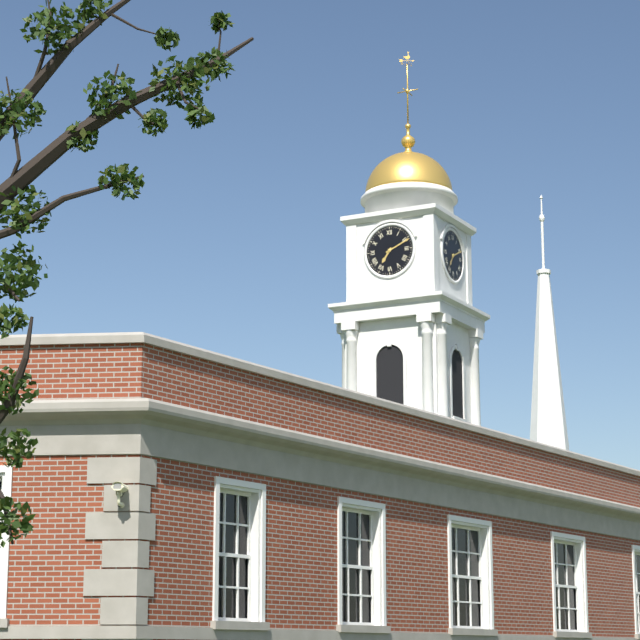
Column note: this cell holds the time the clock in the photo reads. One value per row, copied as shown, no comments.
7:11
